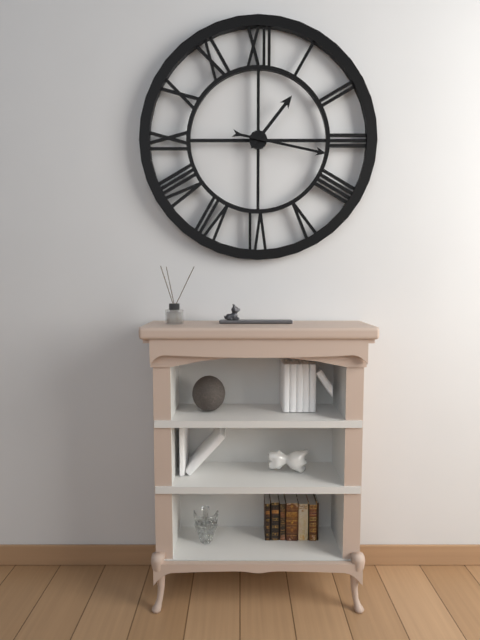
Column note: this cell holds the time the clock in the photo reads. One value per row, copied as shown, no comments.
1:17
